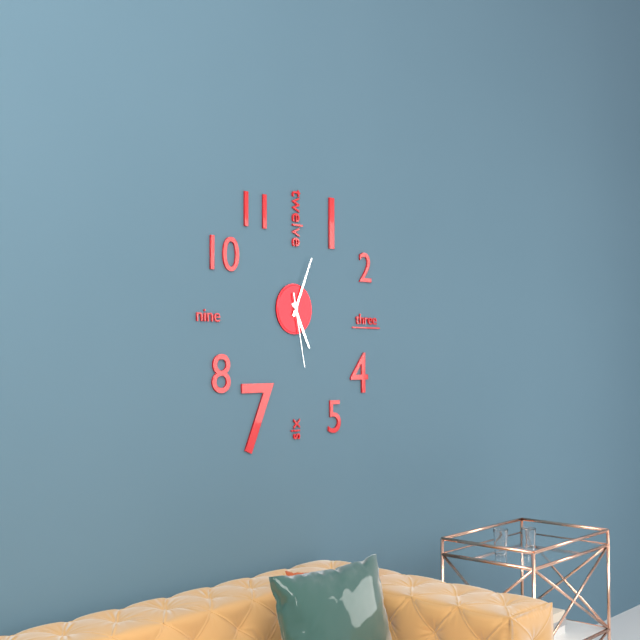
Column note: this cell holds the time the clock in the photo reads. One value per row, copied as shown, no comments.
5:04:28
